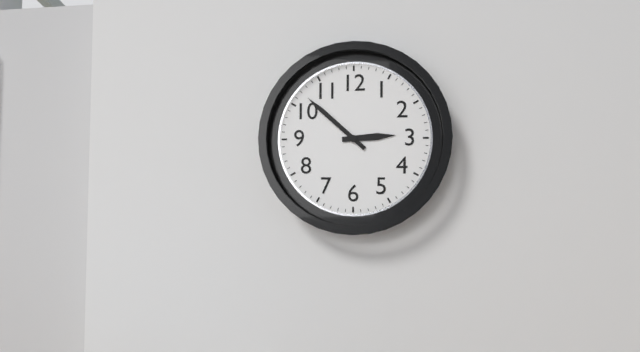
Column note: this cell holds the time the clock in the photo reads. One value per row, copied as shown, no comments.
2:52
